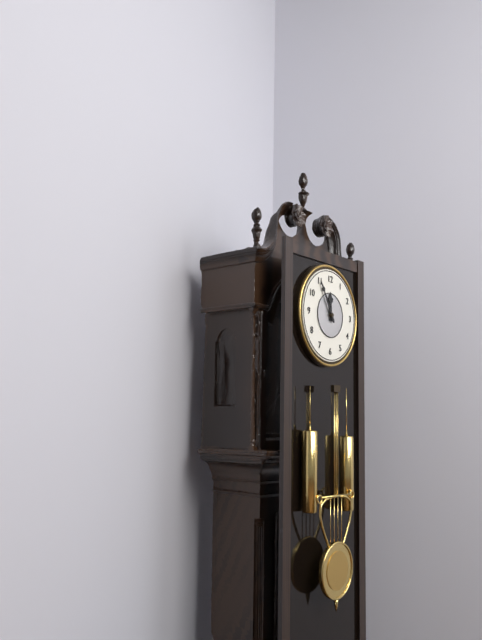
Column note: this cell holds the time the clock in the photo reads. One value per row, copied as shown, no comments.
11:55
